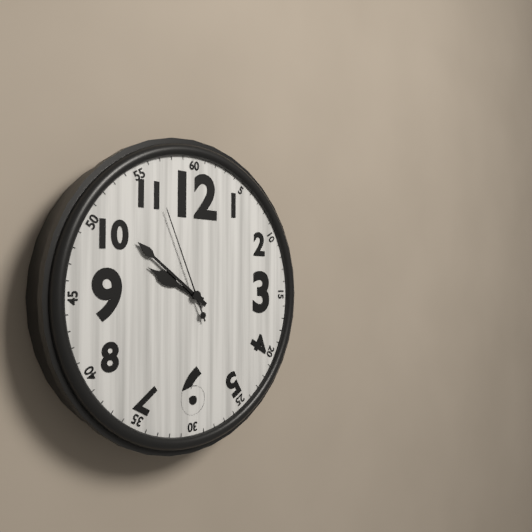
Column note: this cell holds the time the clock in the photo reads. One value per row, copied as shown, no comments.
9:51:56
